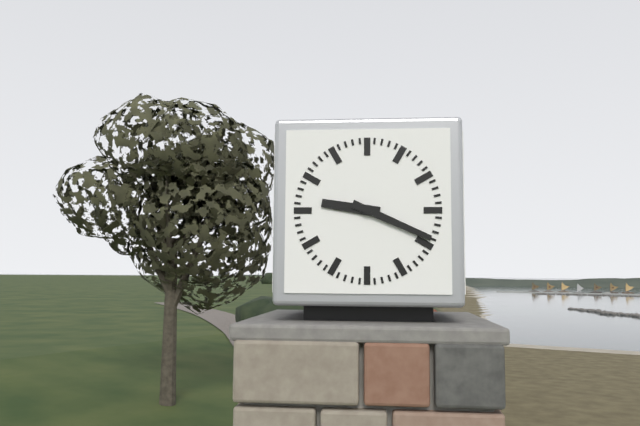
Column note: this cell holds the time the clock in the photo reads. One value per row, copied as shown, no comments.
9:19
